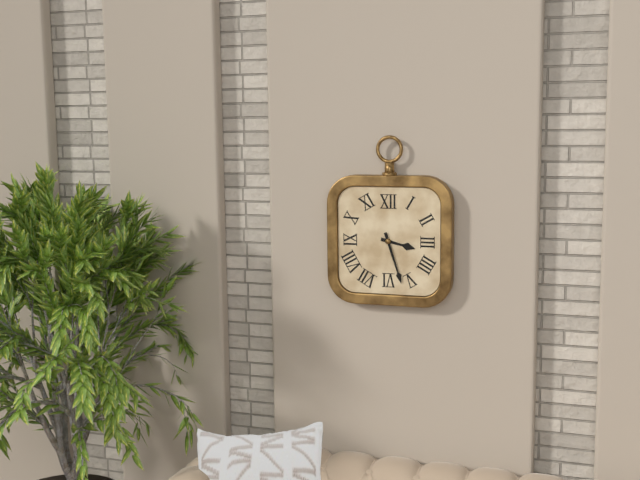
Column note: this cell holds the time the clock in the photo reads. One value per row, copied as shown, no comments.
3:27
